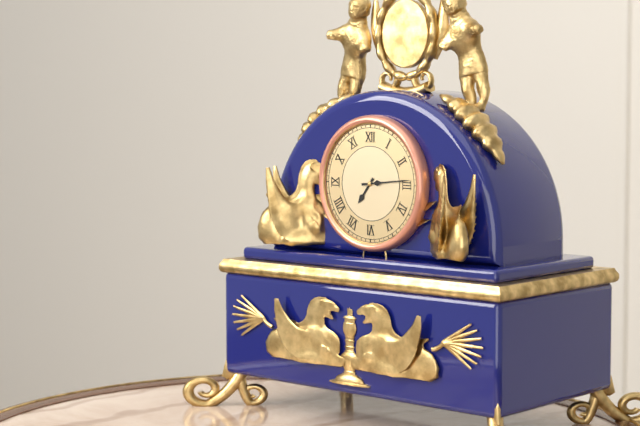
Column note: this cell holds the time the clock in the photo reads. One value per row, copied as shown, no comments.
7:14
